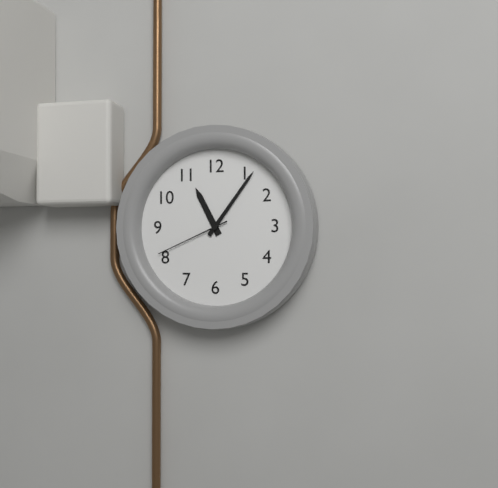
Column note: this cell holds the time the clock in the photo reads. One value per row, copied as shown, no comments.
11:06:41
